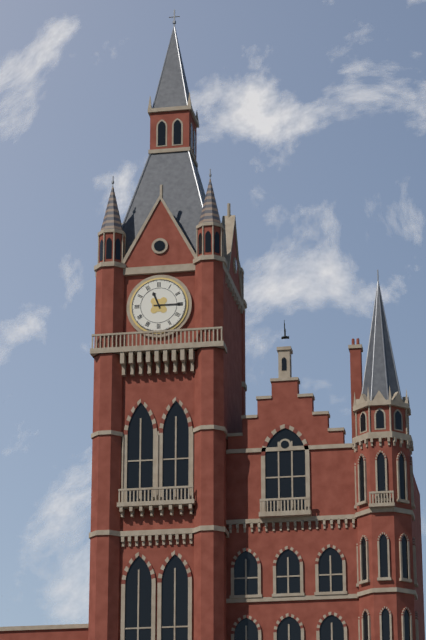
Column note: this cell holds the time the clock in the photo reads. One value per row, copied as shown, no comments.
11:15
